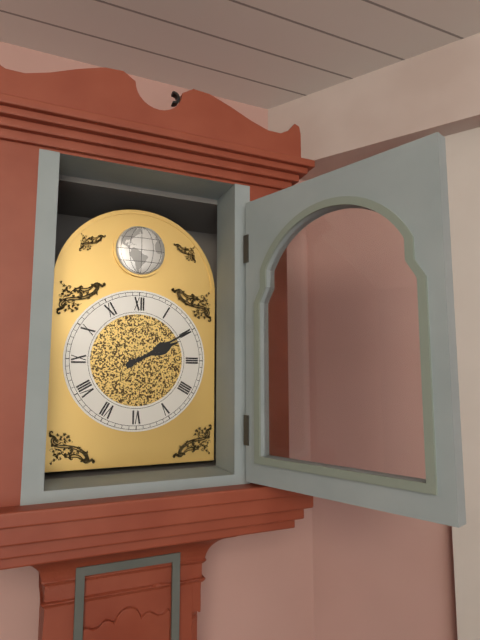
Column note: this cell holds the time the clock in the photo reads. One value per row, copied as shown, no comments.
2:10
